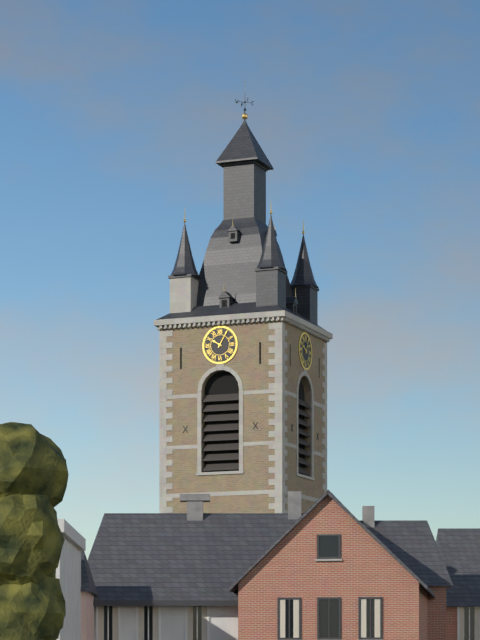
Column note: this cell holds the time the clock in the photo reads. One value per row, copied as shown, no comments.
10:05
